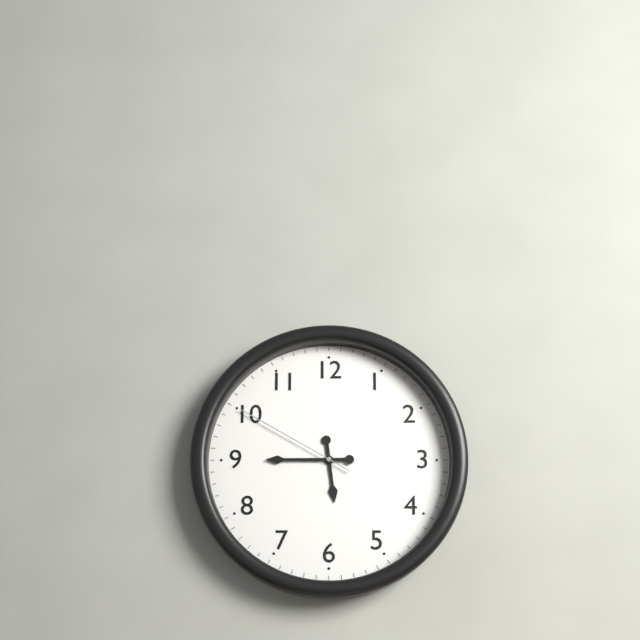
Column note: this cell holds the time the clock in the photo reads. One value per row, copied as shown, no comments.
5:45:50
